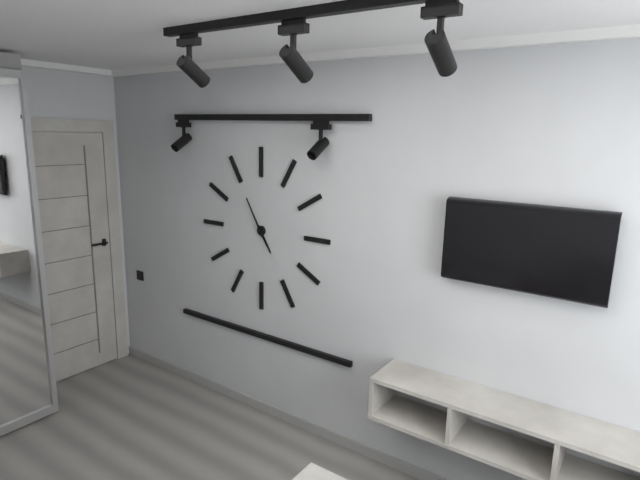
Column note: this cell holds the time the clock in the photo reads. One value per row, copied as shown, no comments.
4:55
